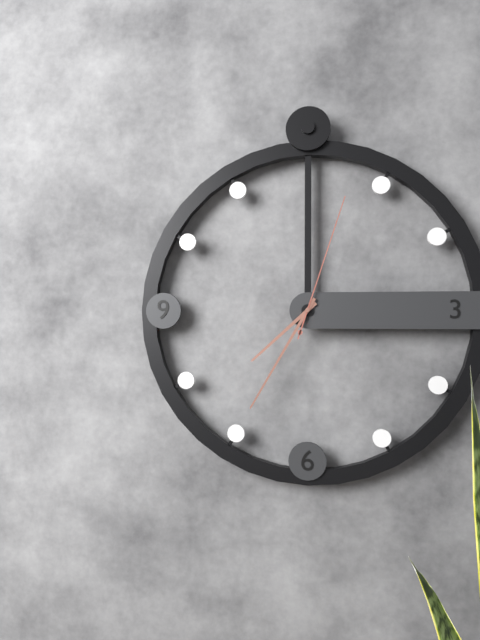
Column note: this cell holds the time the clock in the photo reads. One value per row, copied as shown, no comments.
7:35:03
